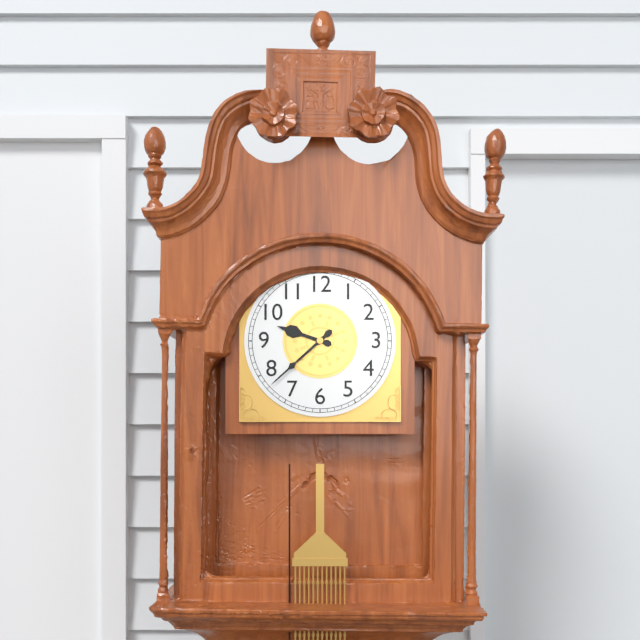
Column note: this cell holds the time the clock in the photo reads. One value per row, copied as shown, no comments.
9:38
